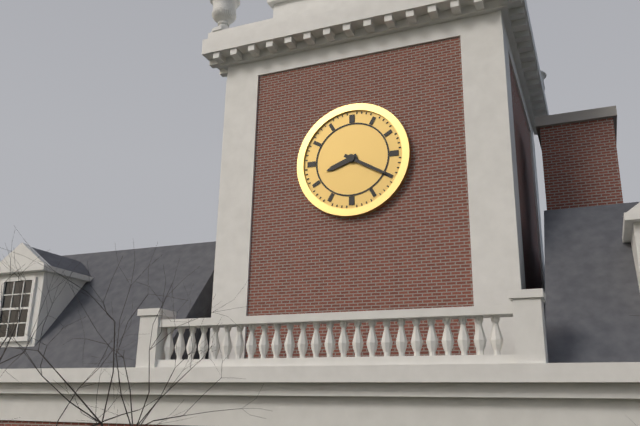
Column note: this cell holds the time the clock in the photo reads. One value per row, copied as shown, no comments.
8:20
